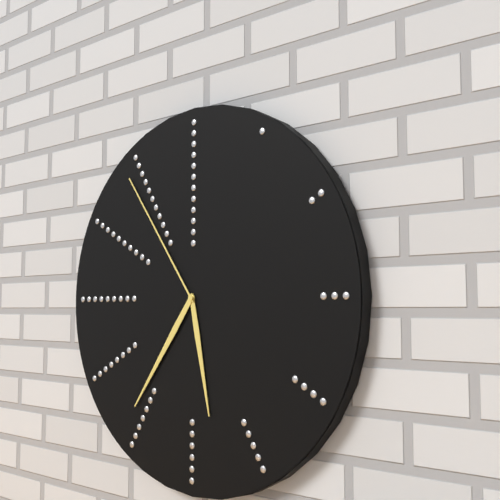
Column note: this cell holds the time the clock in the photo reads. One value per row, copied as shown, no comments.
5:36:54
